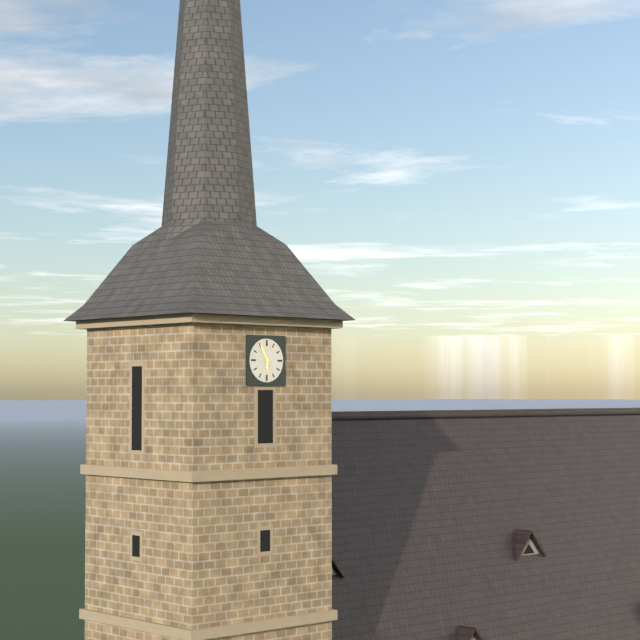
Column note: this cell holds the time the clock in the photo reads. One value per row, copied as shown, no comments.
5:55
